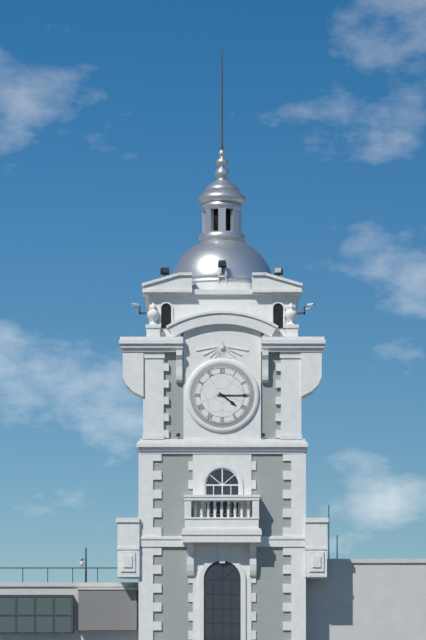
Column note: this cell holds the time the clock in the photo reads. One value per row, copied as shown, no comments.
4:15
